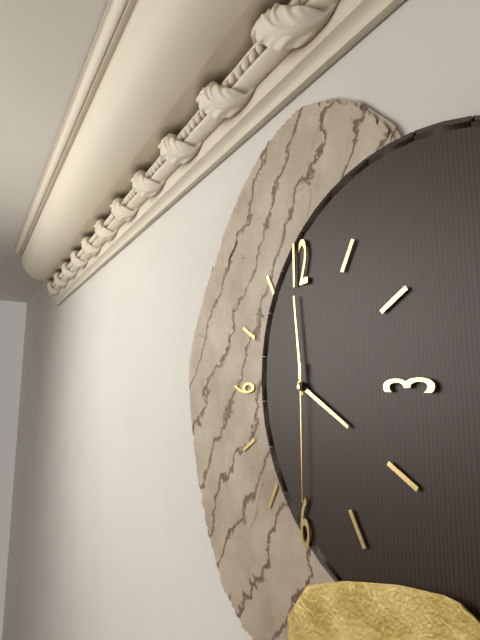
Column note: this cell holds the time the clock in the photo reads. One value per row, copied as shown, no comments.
3:59:30
